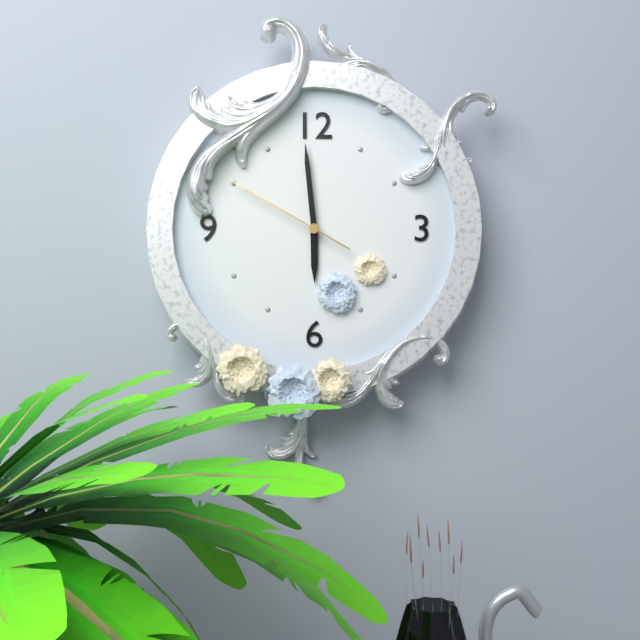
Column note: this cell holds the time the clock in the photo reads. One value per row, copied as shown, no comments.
5:59:50
